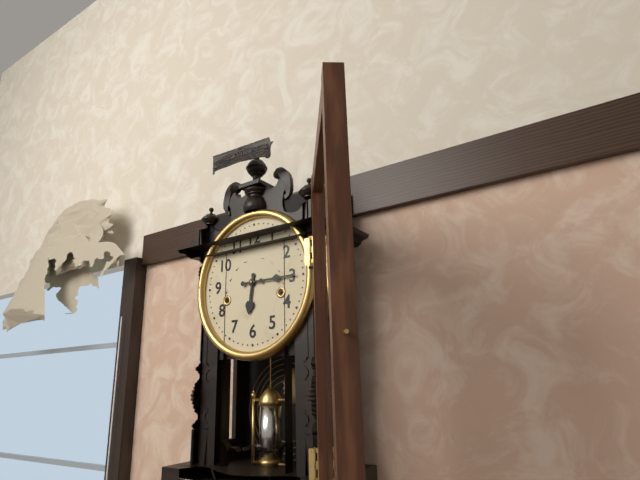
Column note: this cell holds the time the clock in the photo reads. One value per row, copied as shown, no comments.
6:15
